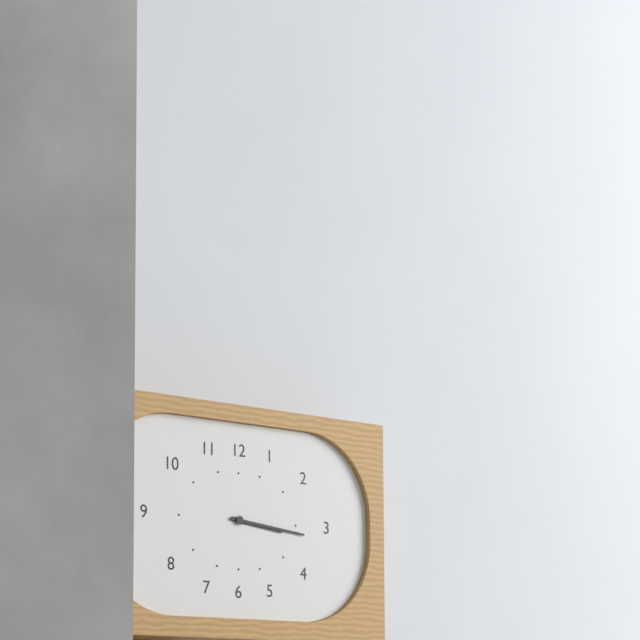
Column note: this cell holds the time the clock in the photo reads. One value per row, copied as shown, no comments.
3:16
